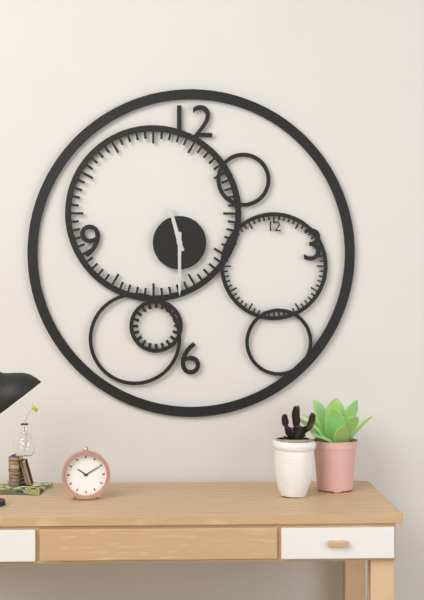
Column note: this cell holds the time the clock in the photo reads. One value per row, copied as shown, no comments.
11:30
